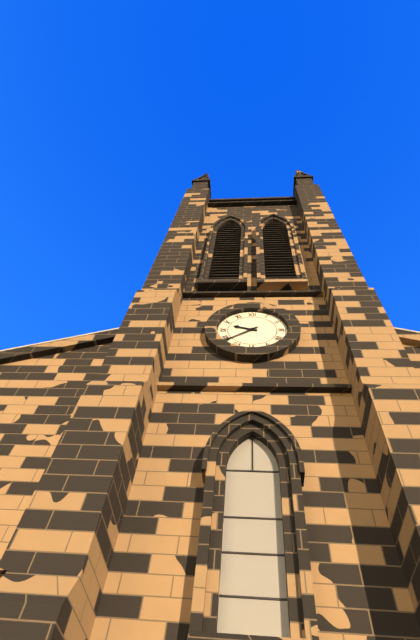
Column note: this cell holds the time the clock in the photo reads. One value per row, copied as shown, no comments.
9:39
